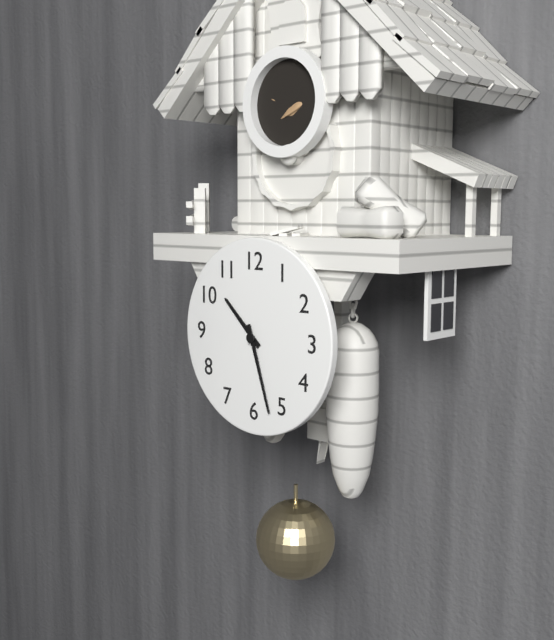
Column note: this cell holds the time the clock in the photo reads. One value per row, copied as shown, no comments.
10:27
